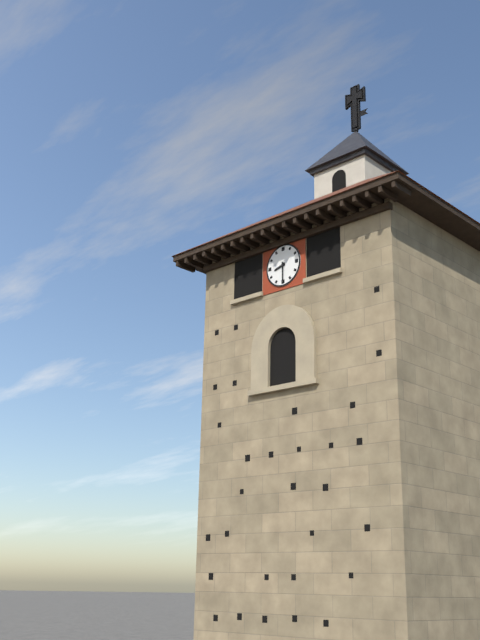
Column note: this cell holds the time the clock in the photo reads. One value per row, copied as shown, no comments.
8:30
